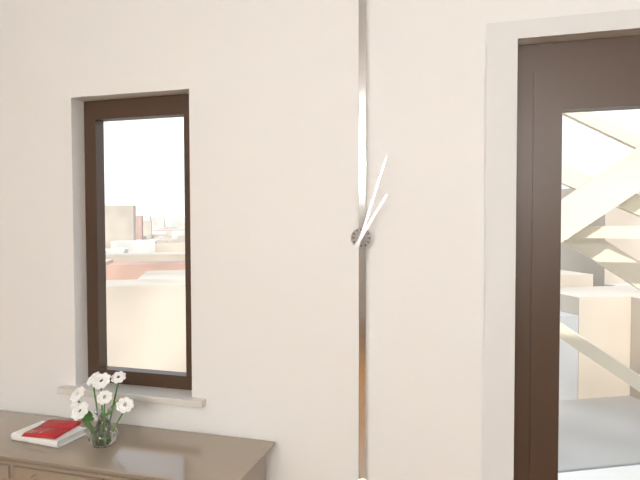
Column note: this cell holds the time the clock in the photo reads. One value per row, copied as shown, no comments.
1:03
